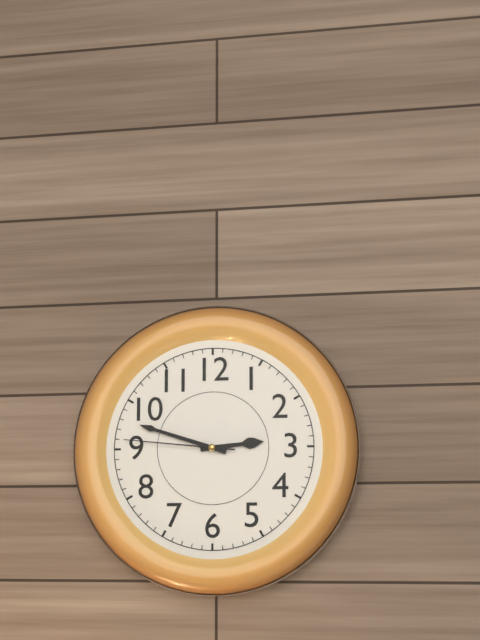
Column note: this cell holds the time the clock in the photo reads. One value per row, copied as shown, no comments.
2:48:46
